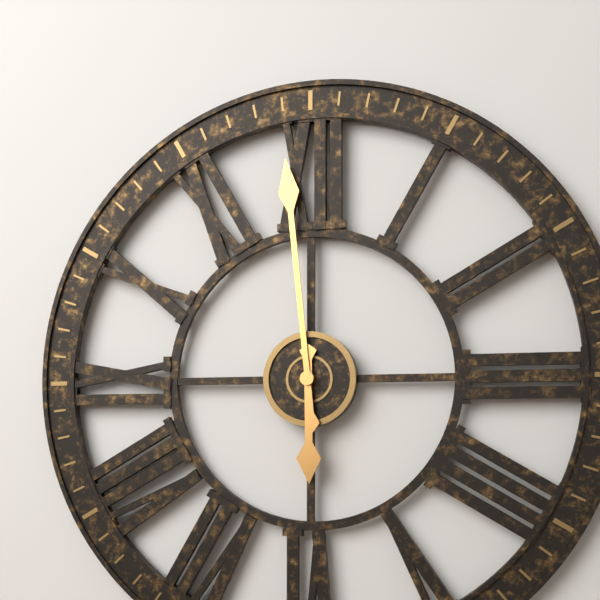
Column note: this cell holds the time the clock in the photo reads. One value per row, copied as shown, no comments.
5:59
